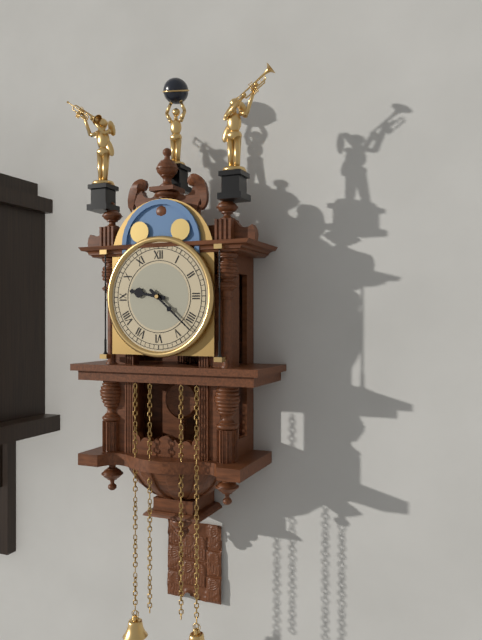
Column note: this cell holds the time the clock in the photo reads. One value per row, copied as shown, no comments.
9:22
